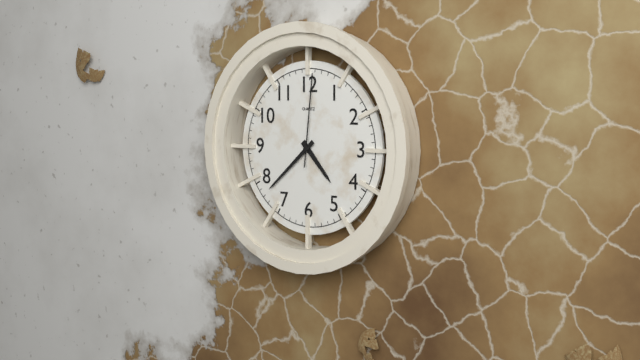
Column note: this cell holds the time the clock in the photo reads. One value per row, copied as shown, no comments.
4:38:01
